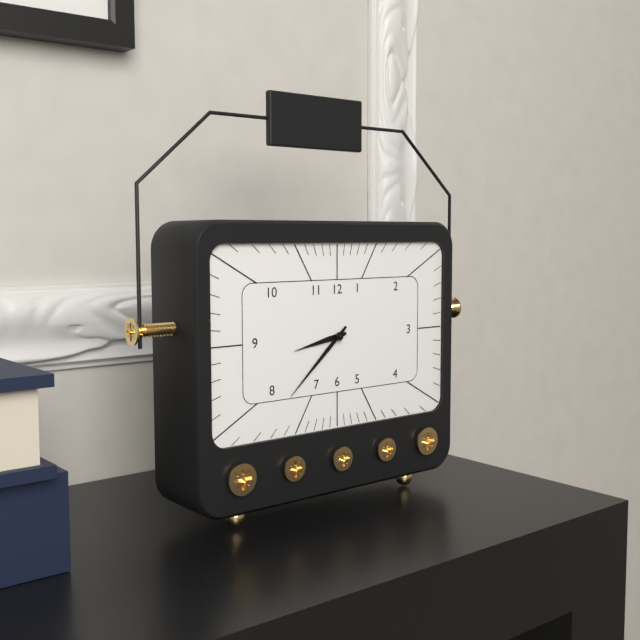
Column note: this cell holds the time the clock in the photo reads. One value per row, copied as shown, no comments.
8:38
